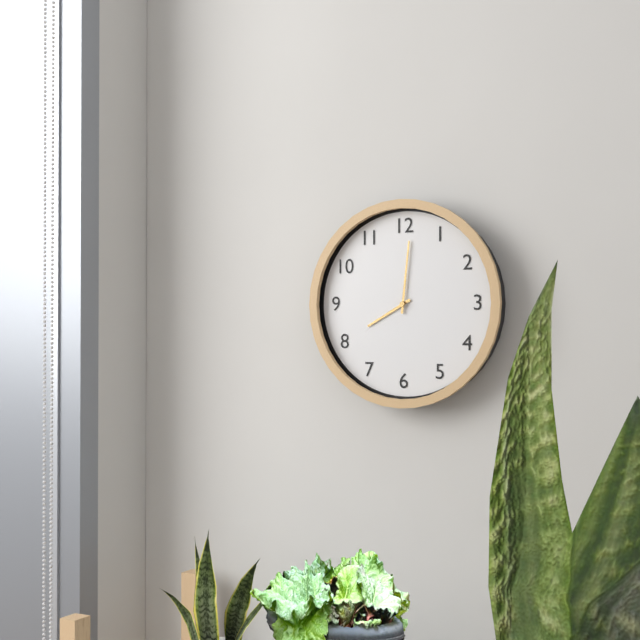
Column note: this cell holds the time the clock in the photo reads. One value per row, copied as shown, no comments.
8:01
